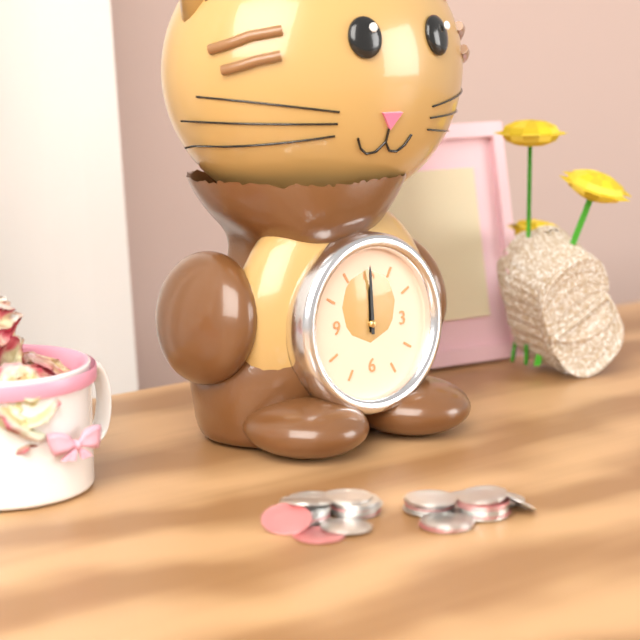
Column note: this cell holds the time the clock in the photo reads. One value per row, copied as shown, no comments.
12:00
